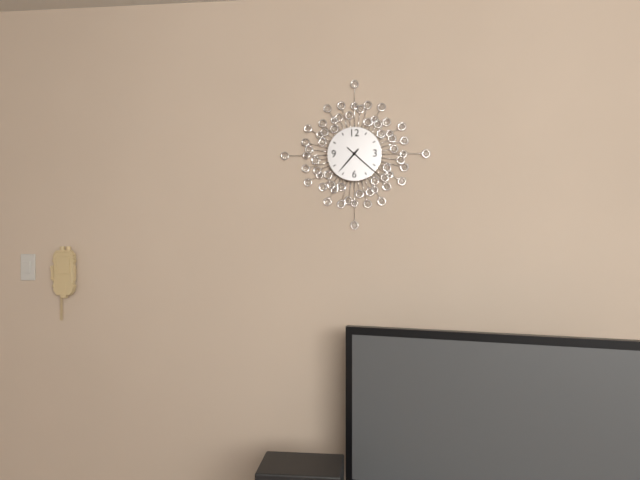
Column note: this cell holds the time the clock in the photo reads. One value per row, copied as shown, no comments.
7:22
